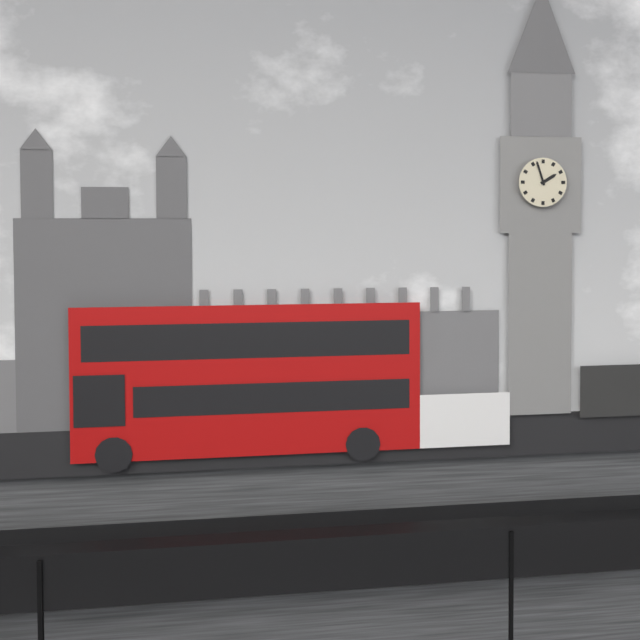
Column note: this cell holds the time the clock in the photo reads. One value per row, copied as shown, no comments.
1:57
